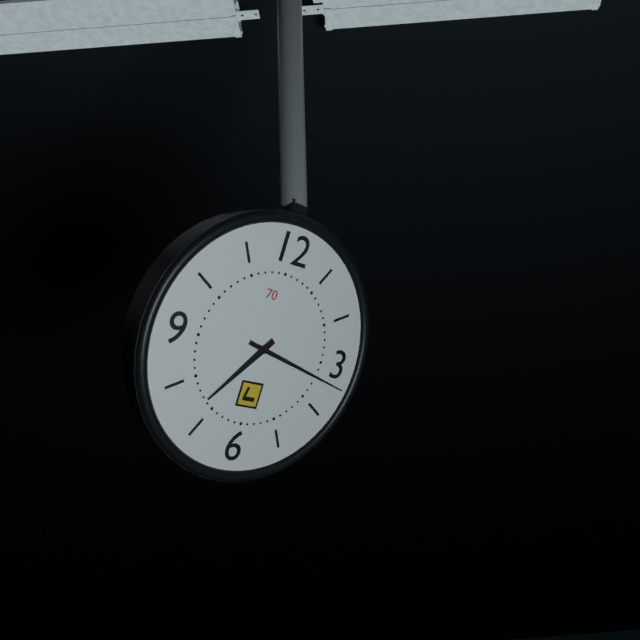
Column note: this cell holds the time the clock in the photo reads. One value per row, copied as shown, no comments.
7:17
